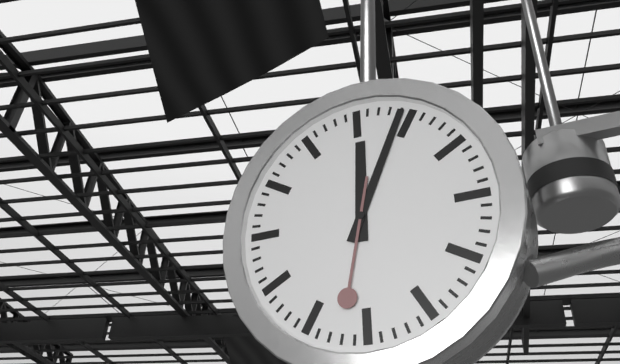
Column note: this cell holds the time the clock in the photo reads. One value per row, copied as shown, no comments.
12:04:32
